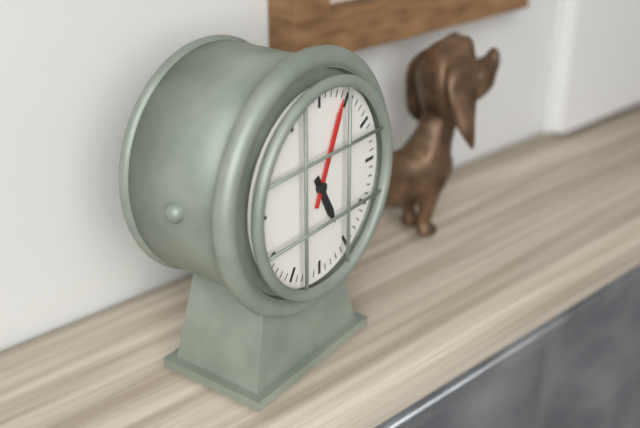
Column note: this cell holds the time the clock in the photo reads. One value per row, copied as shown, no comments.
5:04
